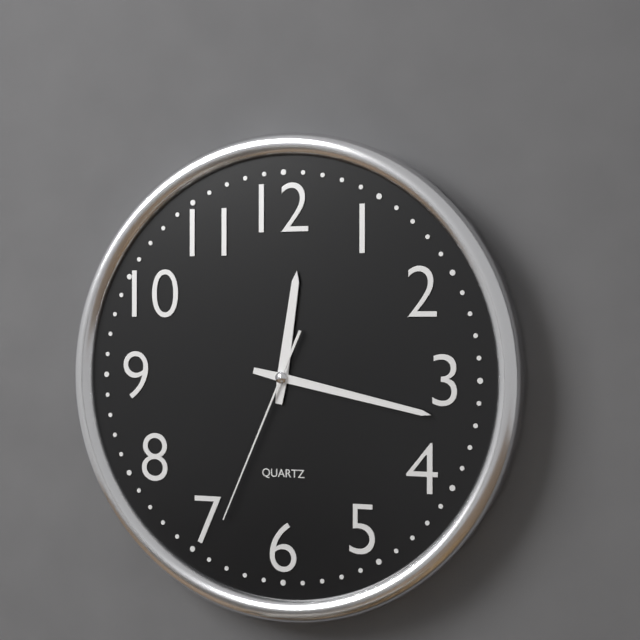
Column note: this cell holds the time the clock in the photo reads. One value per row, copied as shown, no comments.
12:17:34
